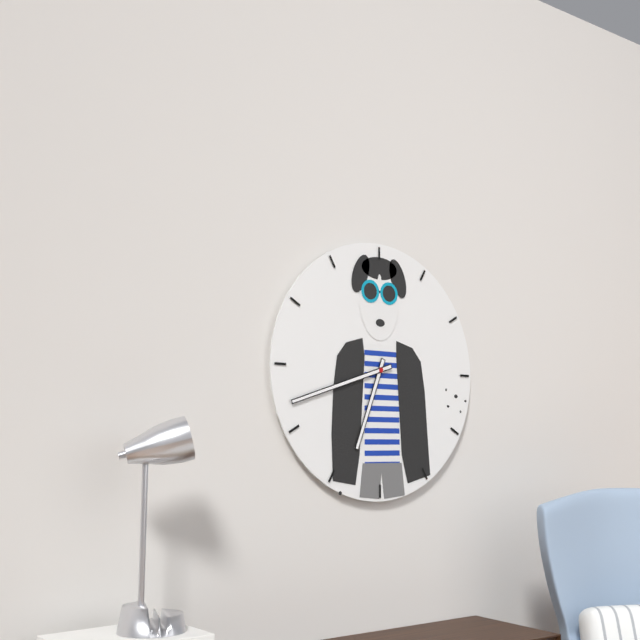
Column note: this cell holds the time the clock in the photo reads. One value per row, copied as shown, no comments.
6:42
